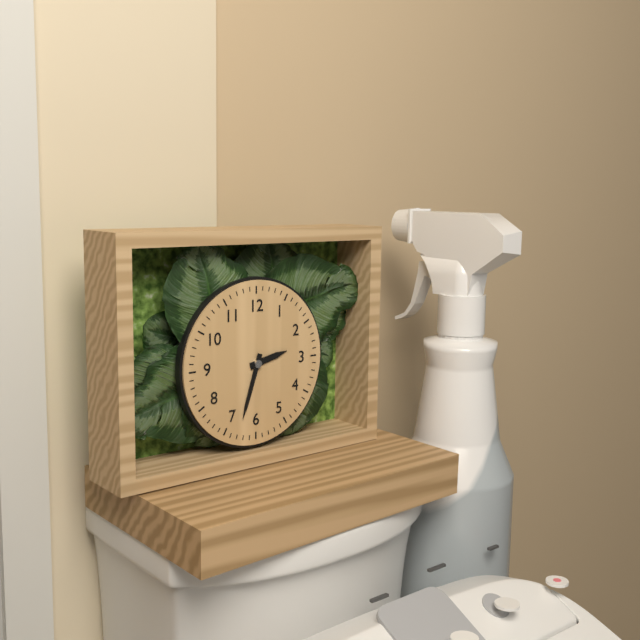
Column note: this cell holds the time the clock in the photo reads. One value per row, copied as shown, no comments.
2:33
